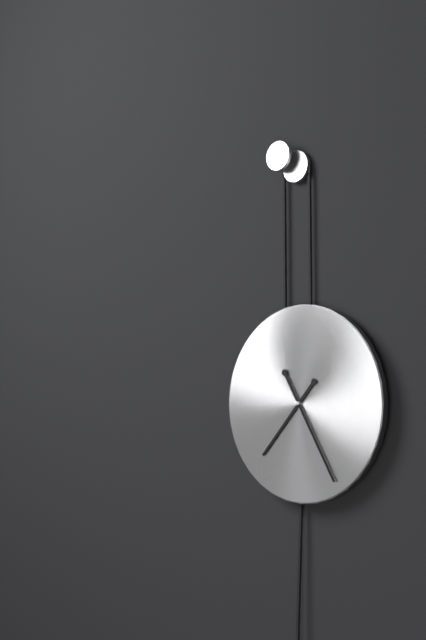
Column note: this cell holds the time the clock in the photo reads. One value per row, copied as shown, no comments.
7:25
